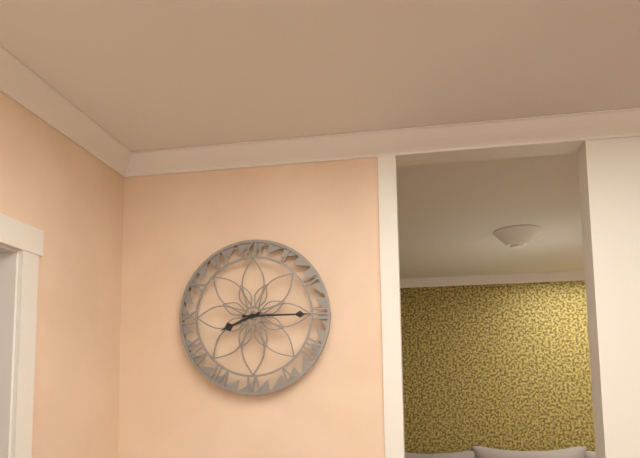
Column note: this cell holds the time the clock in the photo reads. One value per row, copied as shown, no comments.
8:15
